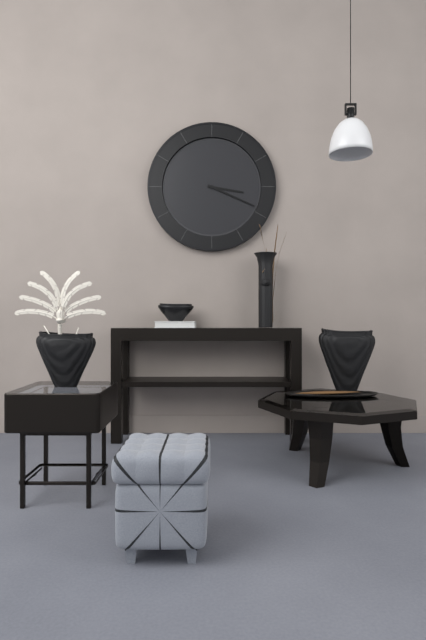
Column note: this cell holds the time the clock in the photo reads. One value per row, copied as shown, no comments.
3:19
